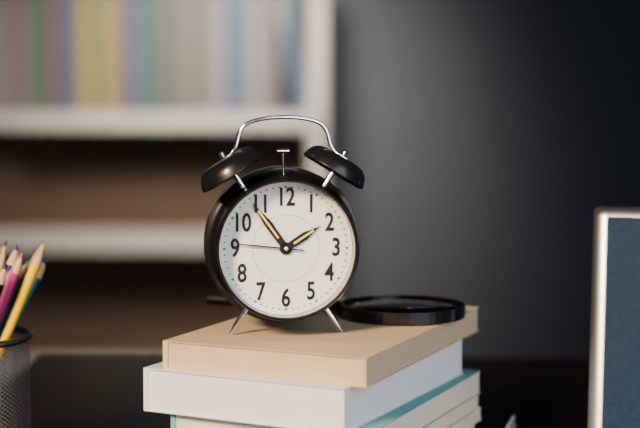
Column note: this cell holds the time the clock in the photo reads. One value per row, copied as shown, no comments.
1:54:46
